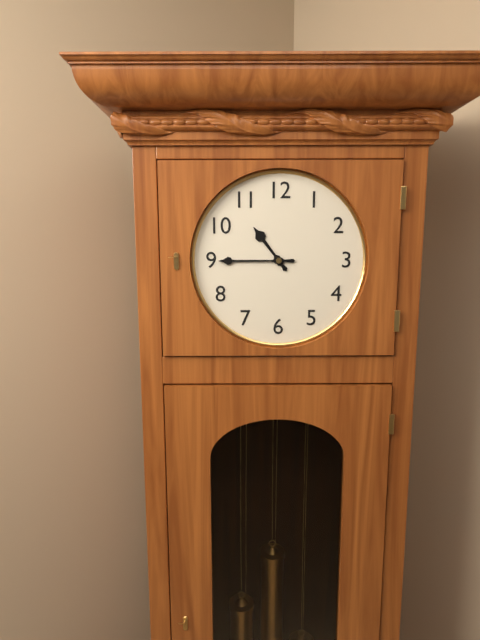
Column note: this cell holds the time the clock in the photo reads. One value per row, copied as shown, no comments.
10:45
